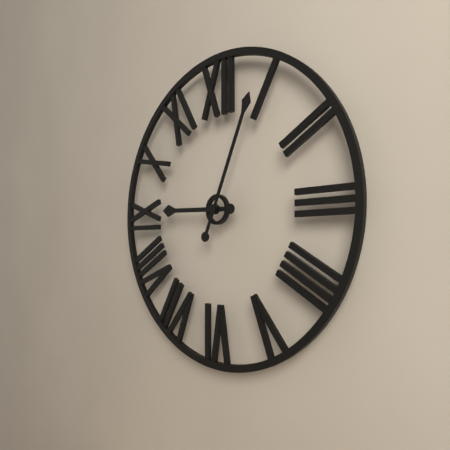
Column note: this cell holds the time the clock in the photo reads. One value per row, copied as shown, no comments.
9:04
